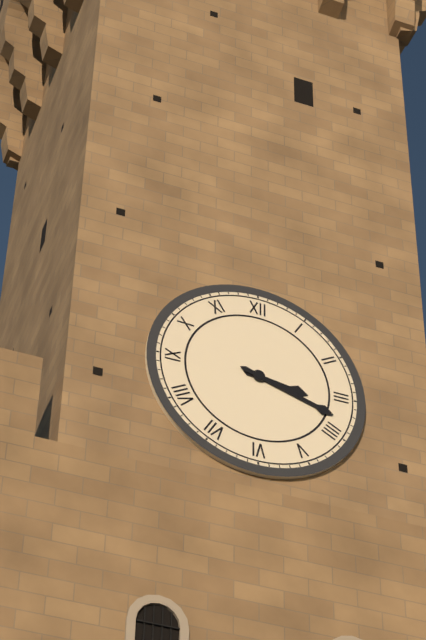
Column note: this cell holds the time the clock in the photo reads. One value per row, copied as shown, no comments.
3:18
